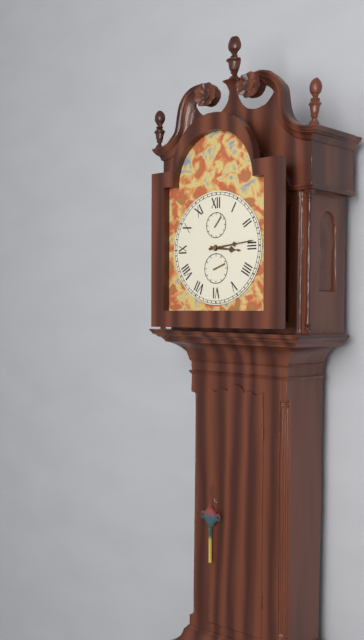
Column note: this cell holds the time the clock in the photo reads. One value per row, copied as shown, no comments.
3:14
